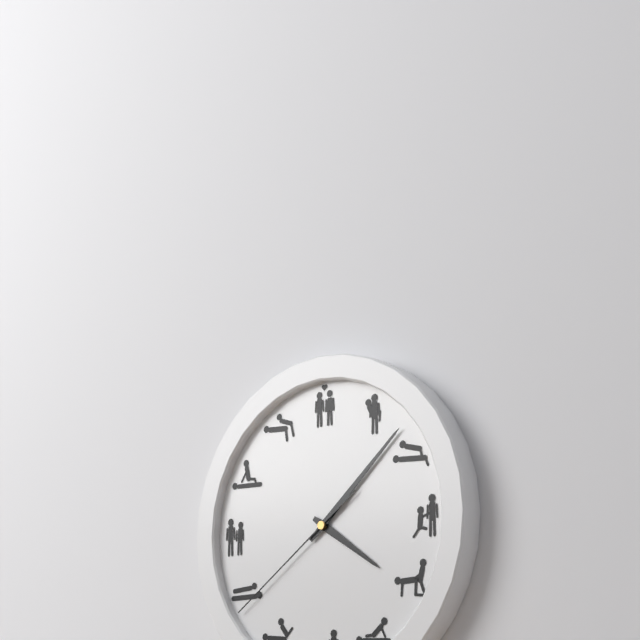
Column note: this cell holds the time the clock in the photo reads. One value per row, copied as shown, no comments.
4:08:39
